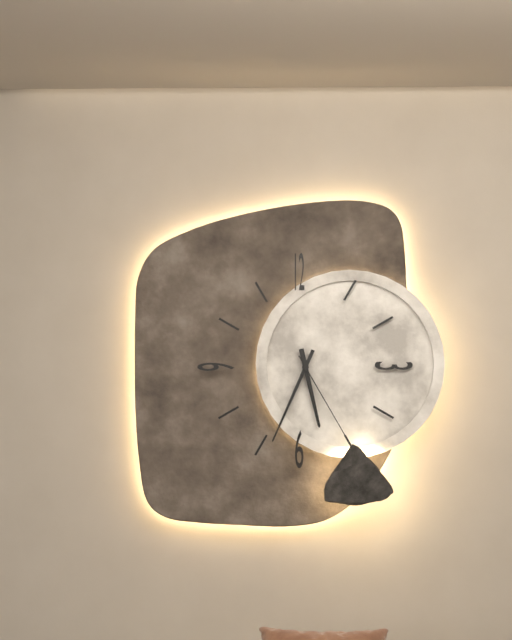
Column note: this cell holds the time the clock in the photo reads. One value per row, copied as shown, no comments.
5:34:25
